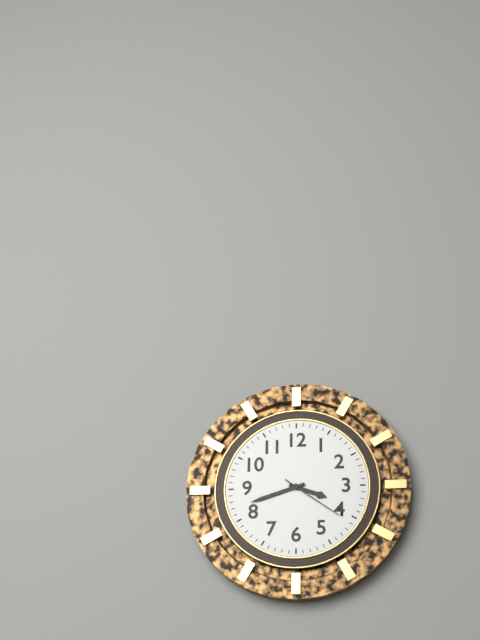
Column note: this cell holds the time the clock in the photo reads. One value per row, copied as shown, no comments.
3:42:21
